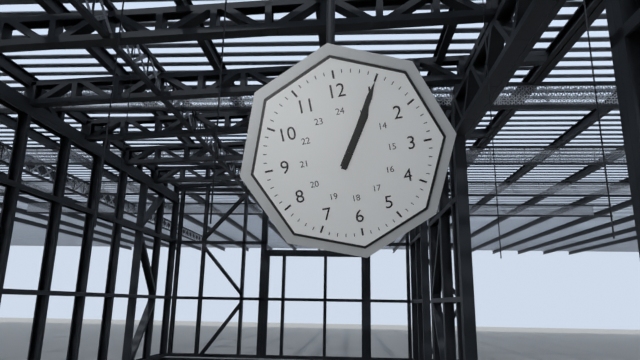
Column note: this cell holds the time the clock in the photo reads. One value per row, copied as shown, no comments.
1:05
